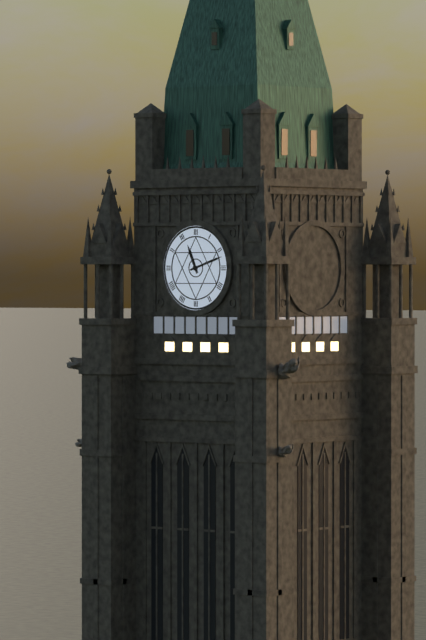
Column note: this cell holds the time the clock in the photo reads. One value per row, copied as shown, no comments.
11:12
